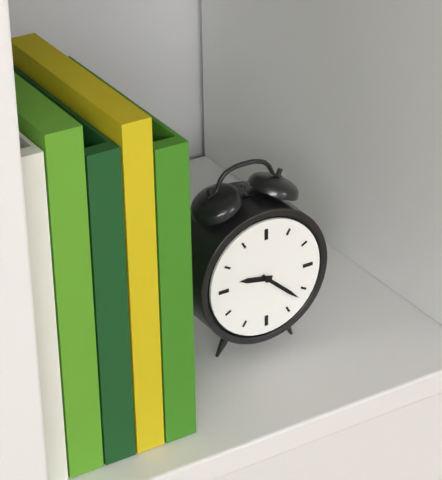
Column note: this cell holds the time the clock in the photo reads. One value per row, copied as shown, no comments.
9:22
